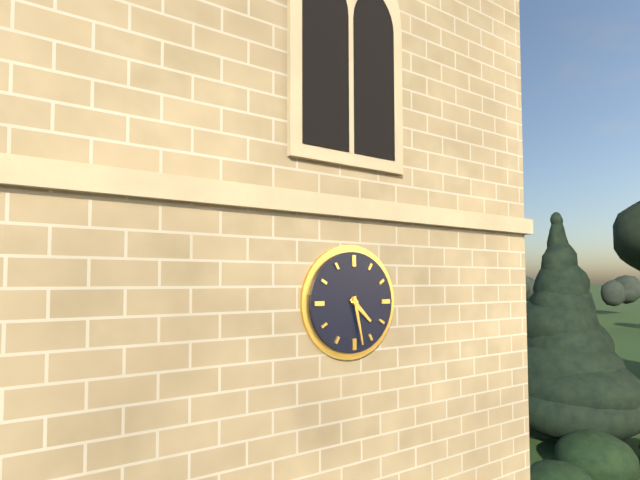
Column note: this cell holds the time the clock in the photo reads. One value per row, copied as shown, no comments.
4:28
